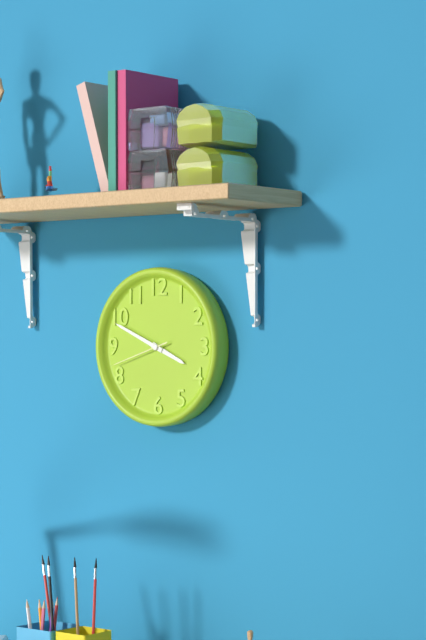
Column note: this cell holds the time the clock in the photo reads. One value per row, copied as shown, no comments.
3:49:42
